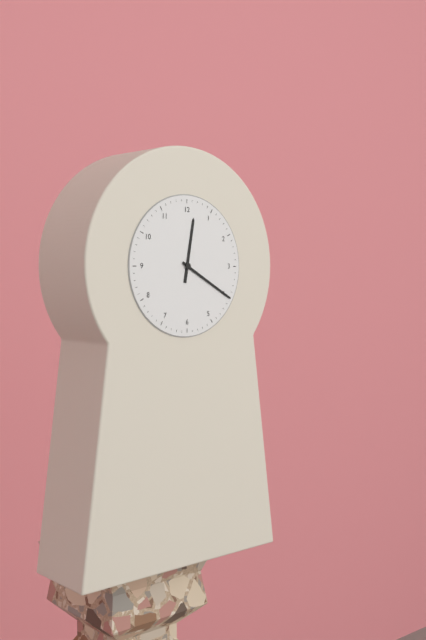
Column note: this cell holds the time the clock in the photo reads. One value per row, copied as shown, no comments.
12:20
